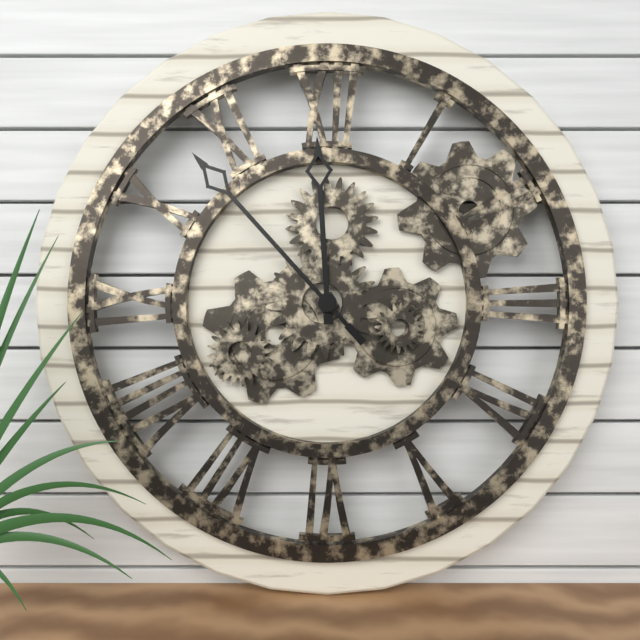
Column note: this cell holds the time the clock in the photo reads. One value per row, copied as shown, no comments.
11:53
